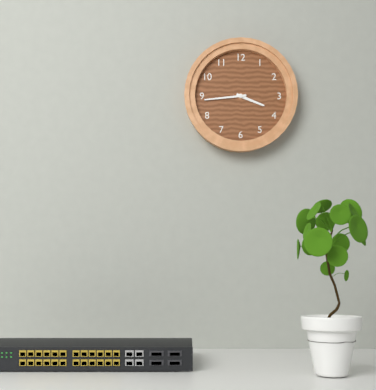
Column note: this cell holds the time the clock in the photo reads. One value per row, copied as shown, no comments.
3:44
